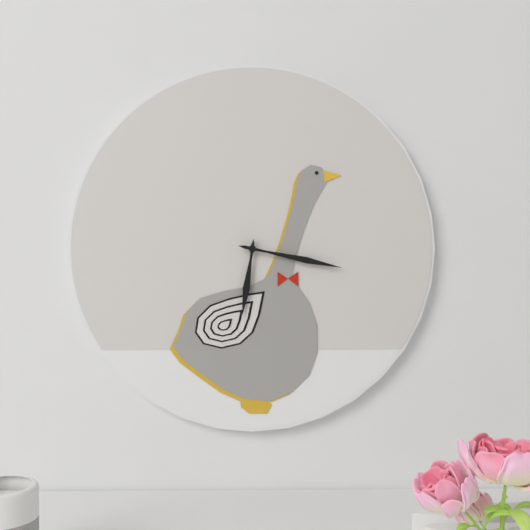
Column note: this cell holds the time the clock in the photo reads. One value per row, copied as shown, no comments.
6:17
